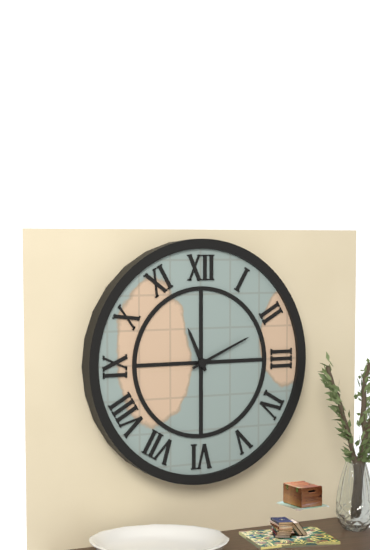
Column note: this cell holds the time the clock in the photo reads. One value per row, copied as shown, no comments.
11:11
